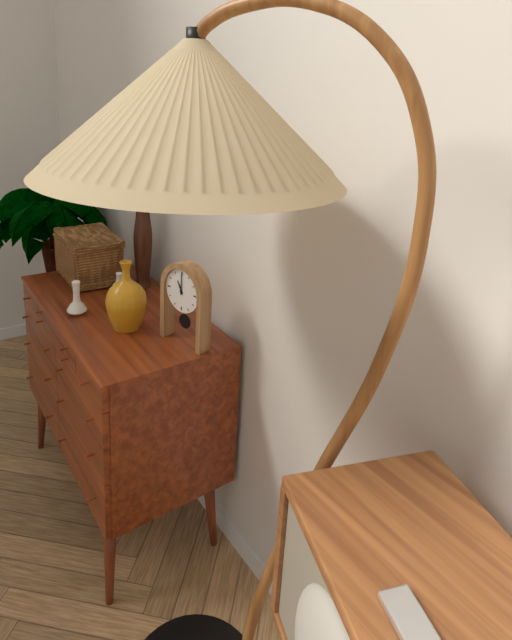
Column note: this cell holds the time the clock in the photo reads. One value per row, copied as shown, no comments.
11:00
